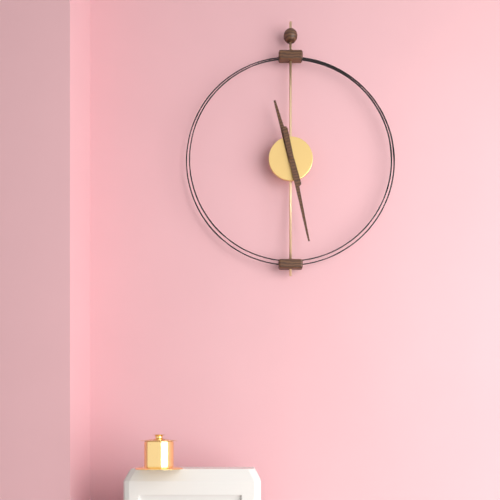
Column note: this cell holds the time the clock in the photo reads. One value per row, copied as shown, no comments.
11:28
